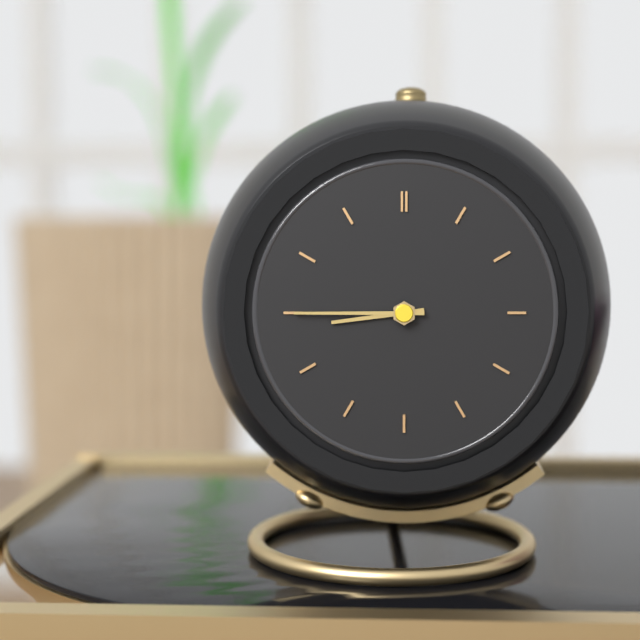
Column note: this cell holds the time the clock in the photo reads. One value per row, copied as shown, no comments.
8:45
